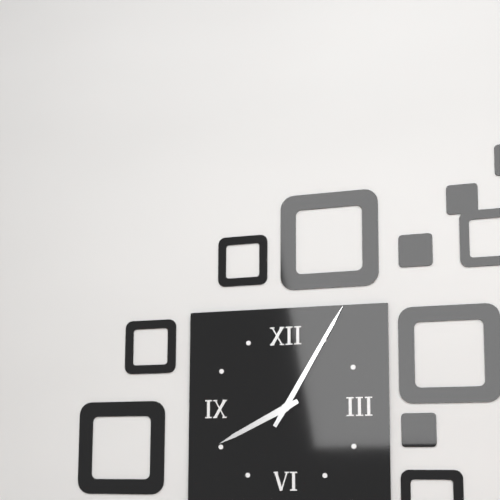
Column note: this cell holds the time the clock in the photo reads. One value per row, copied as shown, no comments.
8:05
